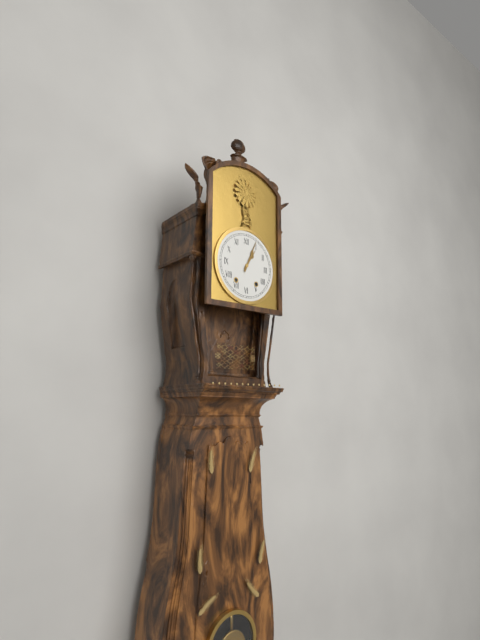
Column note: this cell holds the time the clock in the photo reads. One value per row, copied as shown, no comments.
1:04
